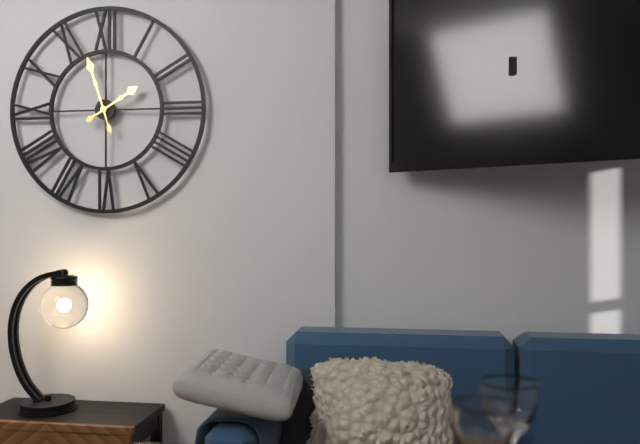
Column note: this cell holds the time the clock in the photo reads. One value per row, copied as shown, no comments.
1:57
